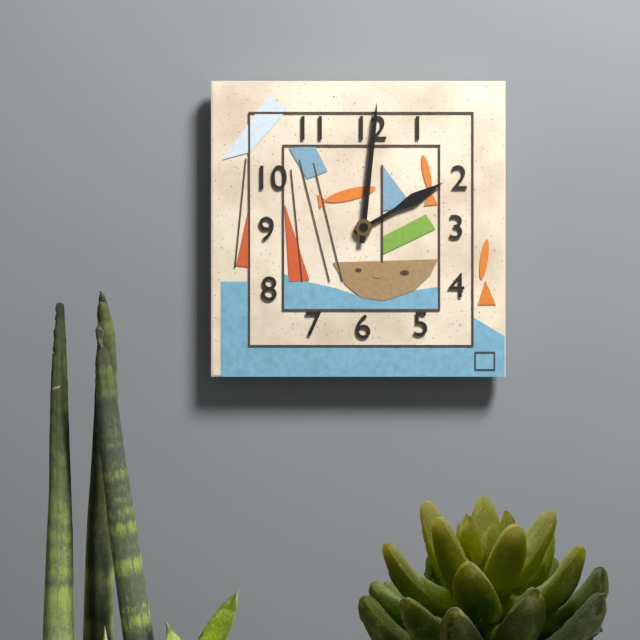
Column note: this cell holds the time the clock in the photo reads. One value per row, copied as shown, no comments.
2:01
